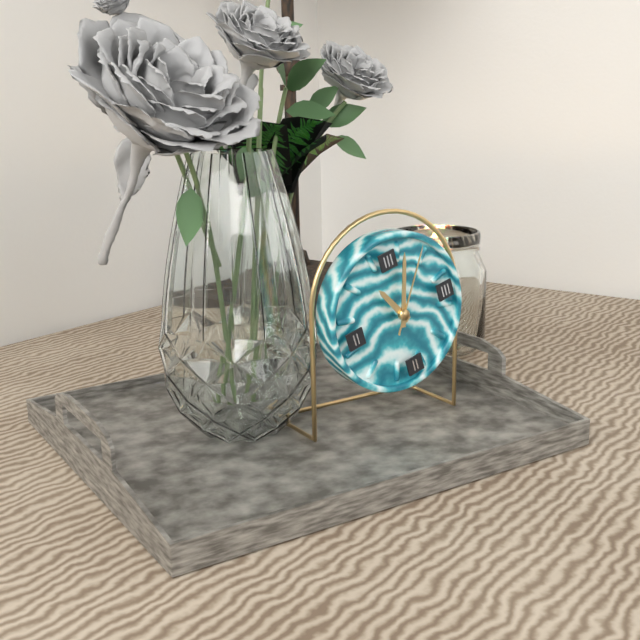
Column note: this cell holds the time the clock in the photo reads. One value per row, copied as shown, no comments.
11:03:06
